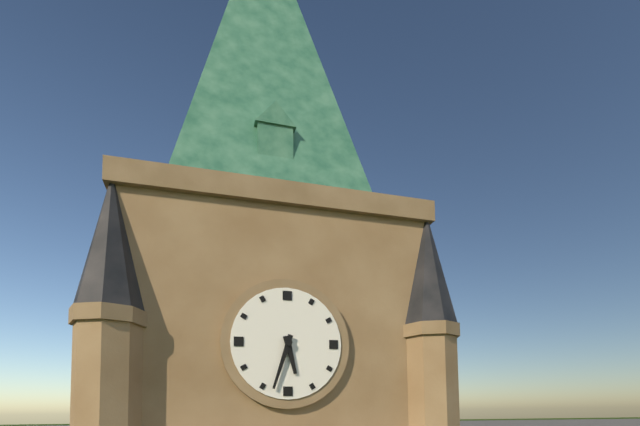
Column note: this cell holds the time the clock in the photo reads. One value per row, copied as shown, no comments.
5:33
